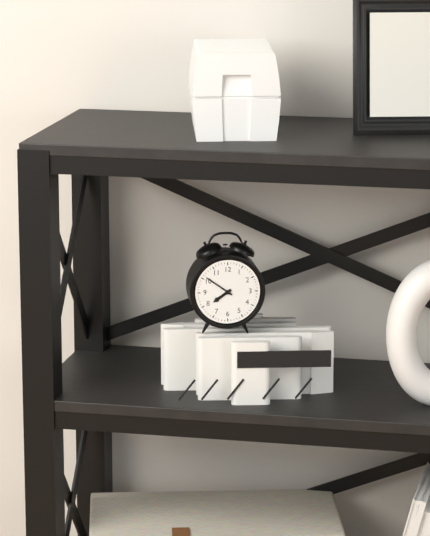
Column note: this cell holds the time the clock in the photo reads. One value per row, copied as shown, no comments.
7:51
